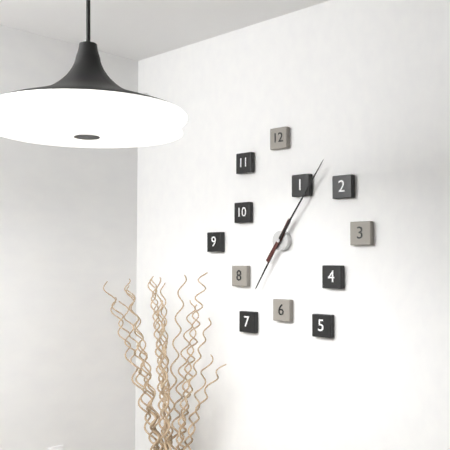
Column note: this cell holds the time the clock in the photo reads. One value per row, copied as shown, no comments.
7:06
